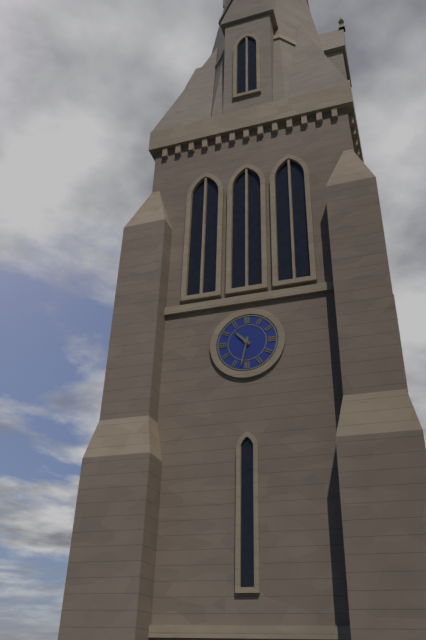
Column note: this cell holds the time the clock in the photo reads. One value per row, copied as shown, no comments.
10:32
